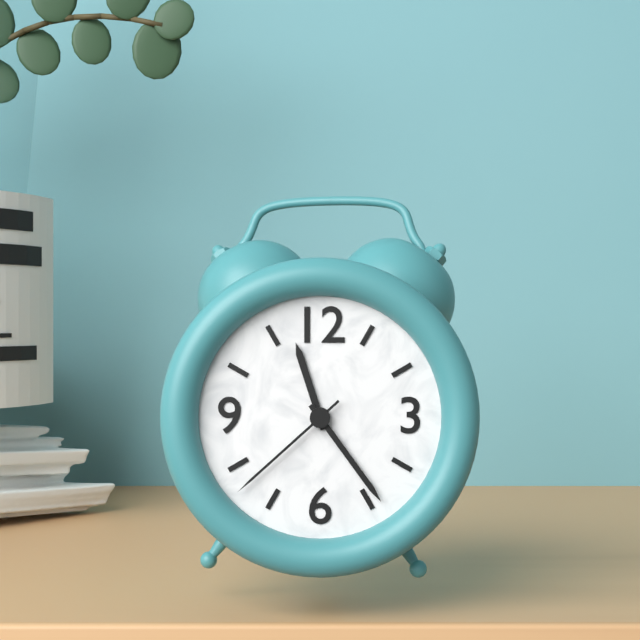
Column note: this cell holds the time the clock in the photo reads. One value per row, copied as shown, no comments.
11:24:38
